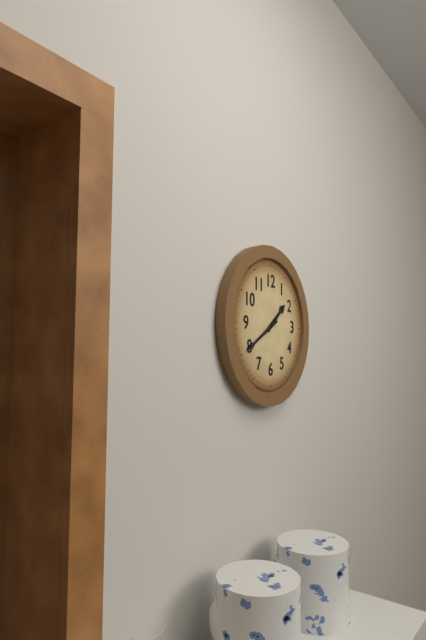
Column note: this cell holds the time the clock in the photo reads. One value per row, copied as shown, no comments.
1:40
